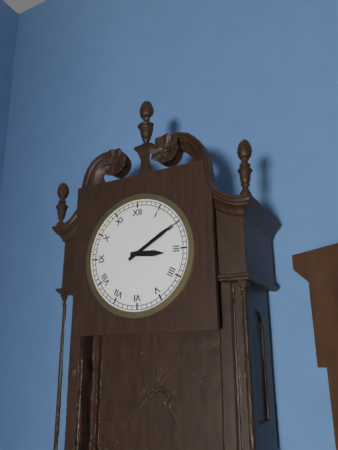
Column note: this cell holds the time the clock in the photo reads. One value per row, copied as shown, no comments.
3:10
